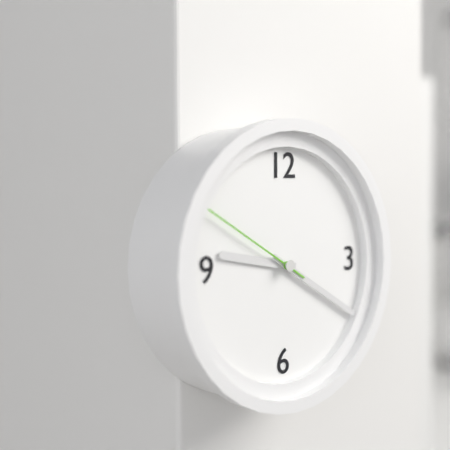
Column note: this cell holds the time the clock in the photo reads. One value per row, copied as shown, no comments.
9:20:50
